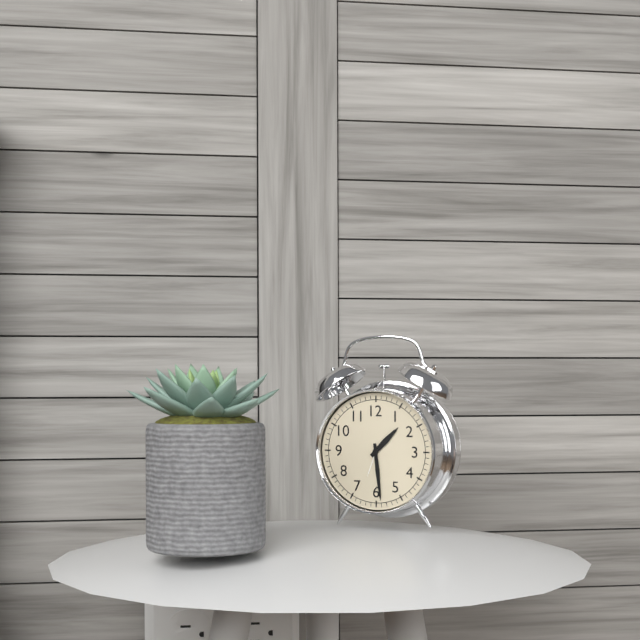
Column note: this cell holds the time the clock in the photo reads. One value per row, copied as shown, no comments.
1:29
